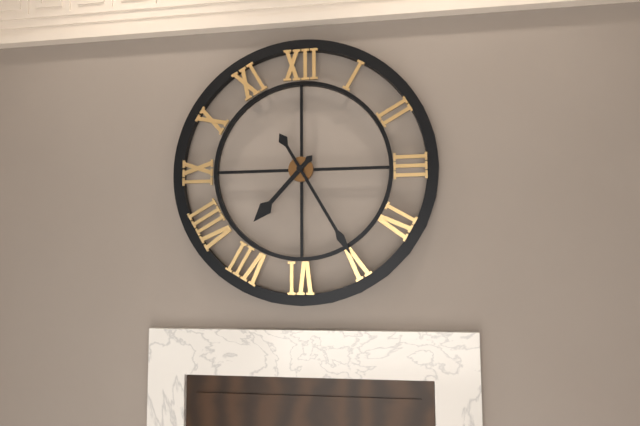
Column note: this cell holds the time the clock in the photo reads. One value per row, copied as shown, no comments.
7:25
